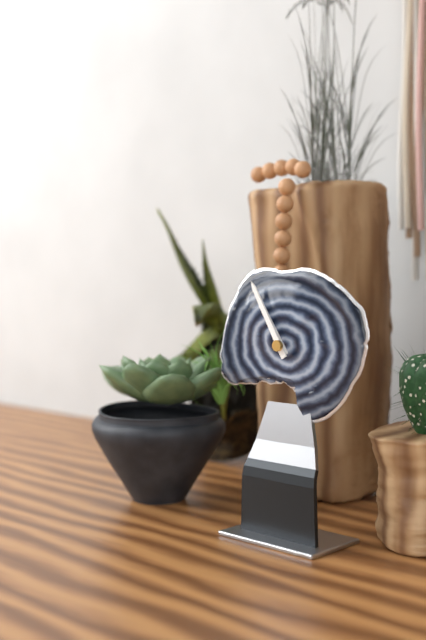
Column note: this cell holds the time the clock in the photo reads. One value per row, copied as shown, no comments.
10:55
